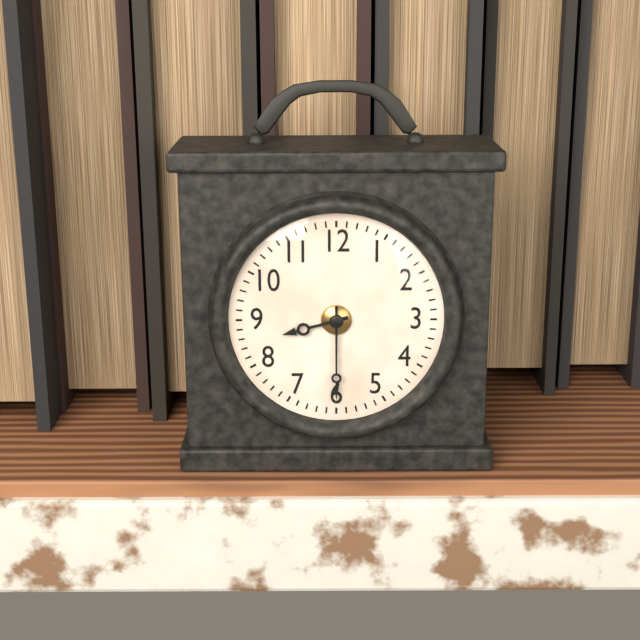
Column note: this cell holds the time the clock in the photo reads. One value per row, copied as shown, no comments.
8:30
